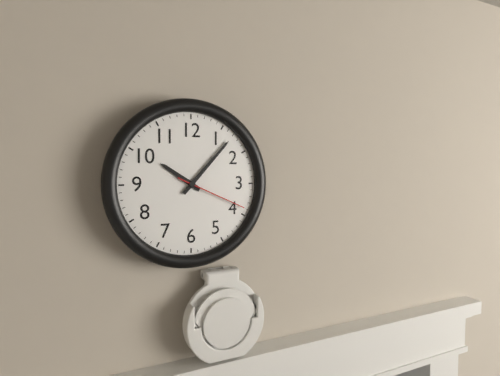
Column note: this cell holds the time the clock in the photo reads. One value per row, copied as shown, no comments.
10:07:19
